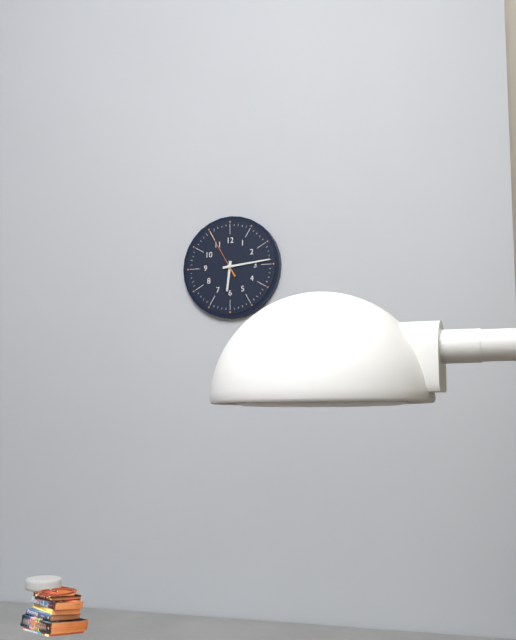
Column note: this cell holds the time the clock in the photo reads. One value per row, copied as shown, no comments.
6:14:55
